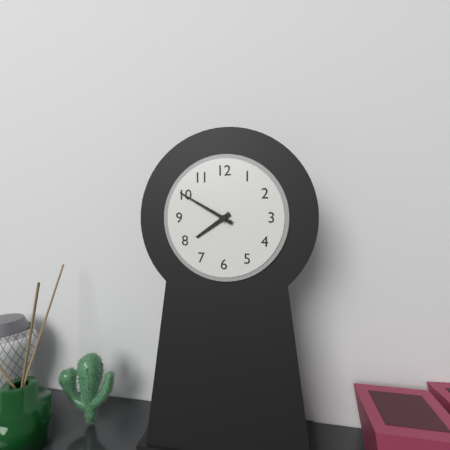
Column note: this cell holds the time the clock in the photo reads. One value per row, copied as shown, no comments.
7:50
